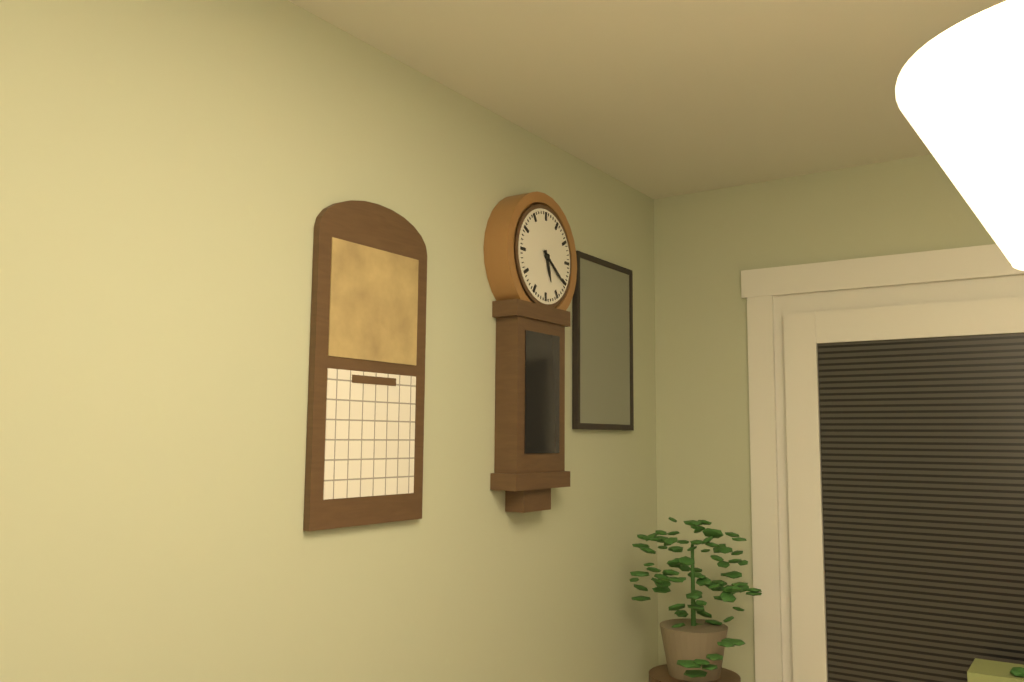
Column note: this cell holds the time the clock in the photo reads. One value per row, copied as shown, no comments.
5:21
